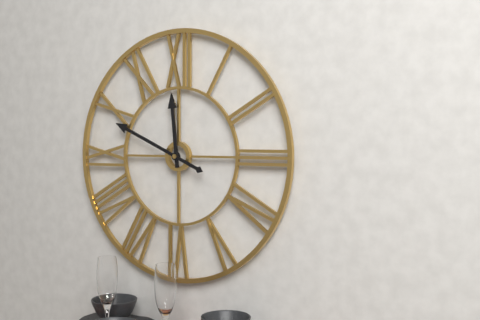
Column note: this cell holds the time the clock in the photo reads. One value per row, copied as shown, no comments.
11:49
